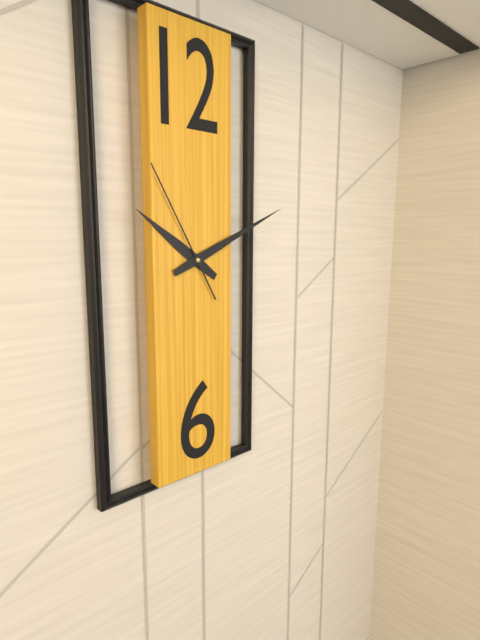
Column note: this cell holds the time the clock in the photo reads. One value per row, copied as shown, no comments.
10:11:55
